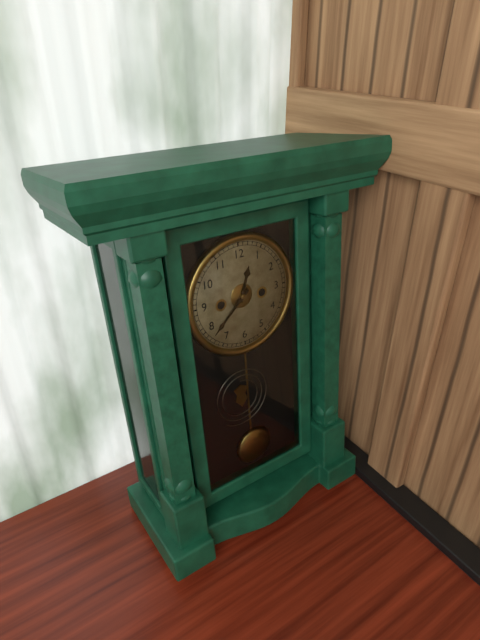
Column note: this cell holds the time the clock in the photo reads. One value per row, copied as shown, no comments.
12:38
